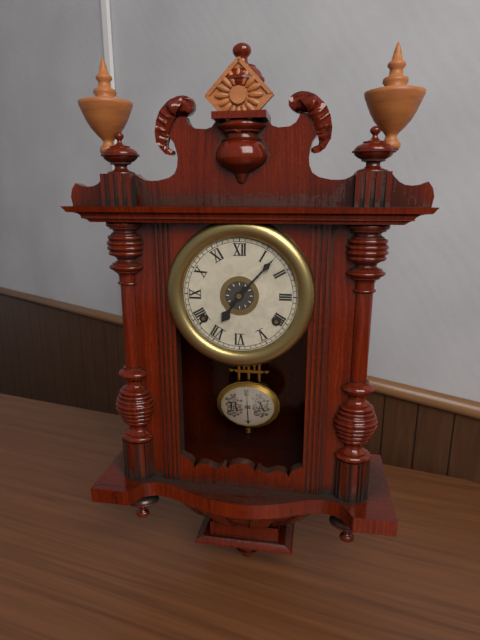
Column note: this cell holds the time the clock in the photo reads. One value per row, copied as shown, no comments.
7:07
